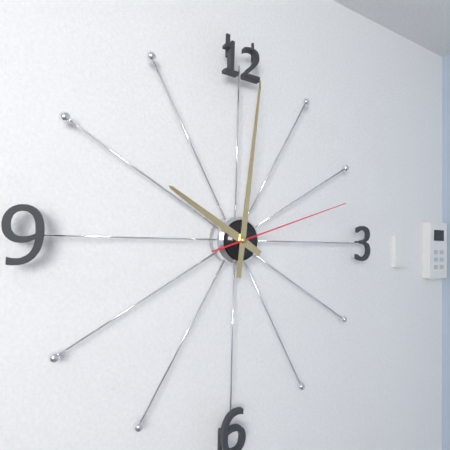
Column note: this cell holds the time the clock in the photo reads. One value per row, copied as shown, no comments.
10:01:12
